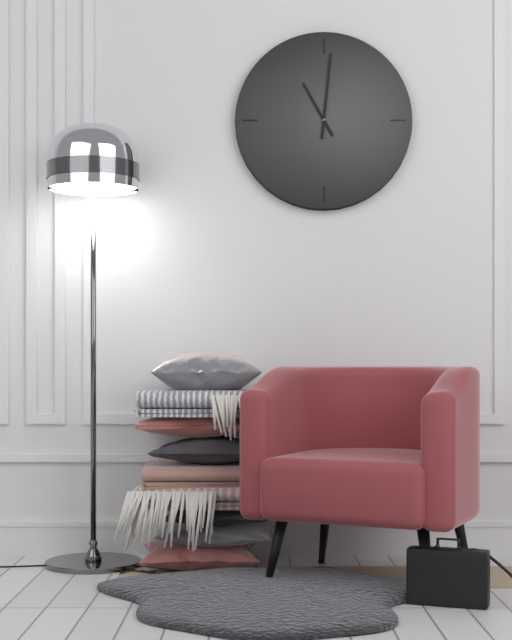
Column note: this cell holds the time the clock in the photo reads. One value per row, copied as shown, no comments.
11:01
